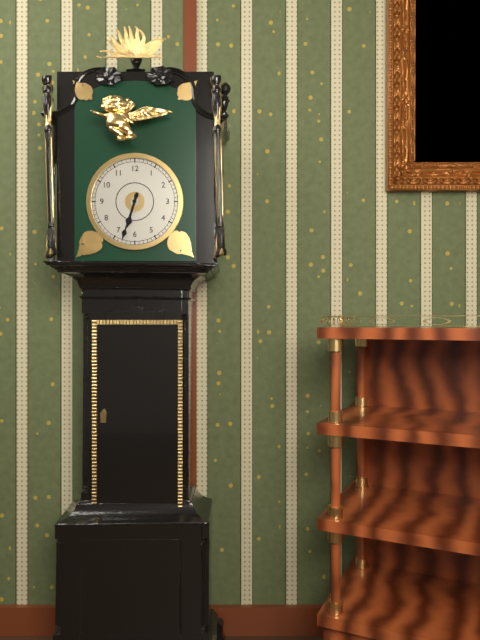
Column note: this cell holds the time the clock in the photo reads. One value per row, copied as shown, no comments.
6:33
